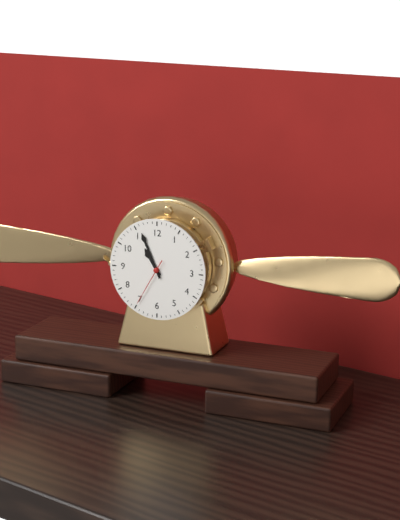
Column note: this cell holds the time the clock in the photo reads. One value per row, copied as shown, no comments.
10:56
